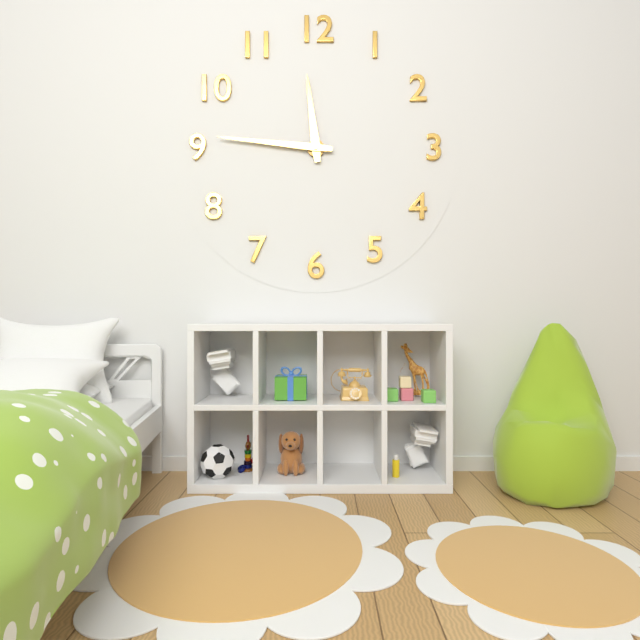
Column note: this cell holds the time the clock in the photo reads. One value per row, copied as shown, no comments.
11:46
